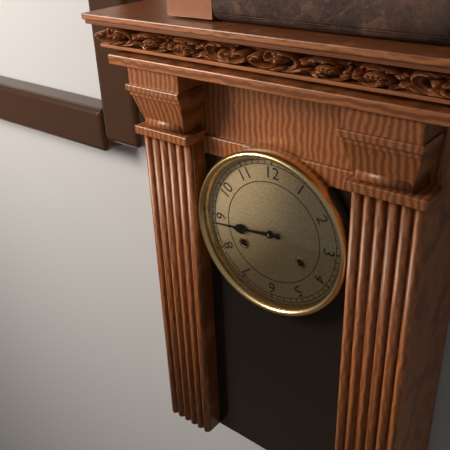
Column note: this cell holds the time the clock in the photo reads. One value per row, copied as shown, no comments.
8:44
